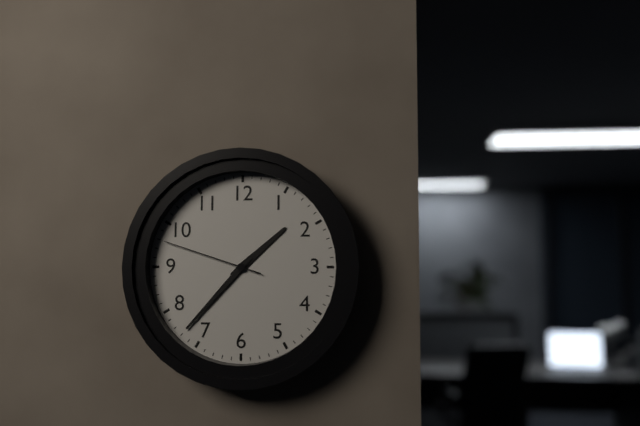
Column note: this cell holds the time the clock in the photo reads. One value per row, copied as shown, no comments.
1:37:48
